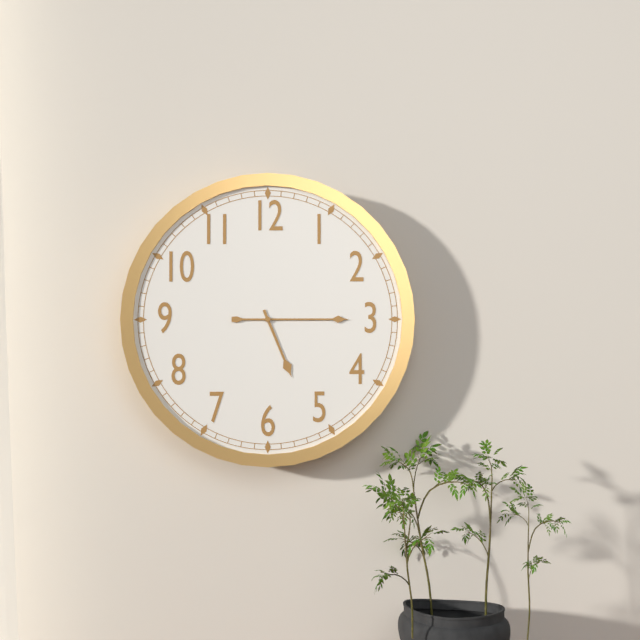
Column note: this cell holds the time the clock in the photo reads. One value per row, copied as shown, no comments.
5:15
